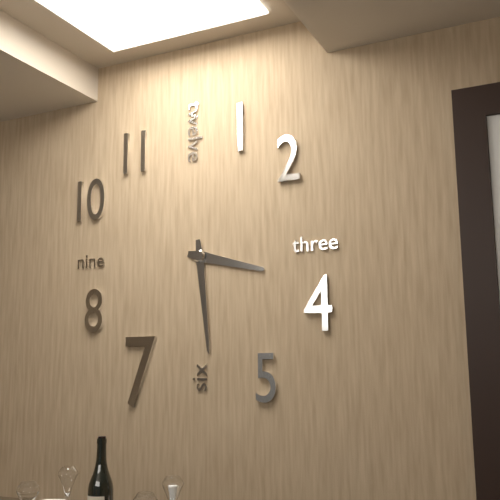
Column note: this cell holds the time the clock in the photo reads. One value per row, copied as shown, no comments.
3:29
